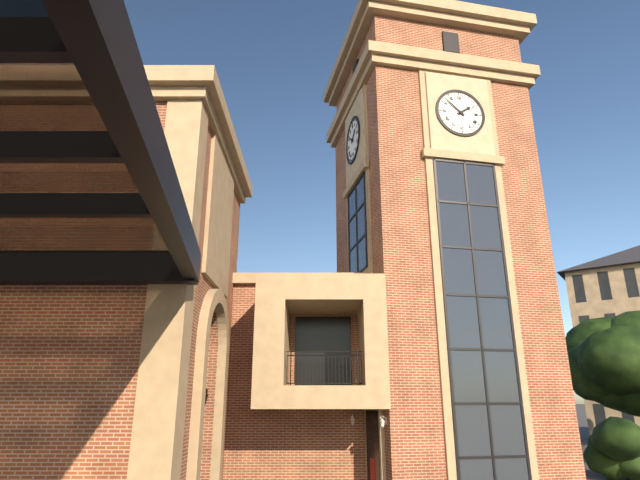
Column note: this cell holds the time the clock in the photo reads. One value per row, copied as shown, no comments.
1:52
